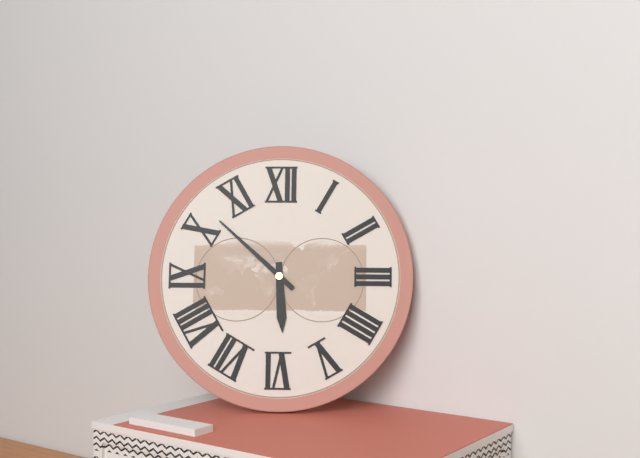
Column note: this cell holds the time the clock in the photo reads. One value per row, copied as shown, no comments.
5:52
